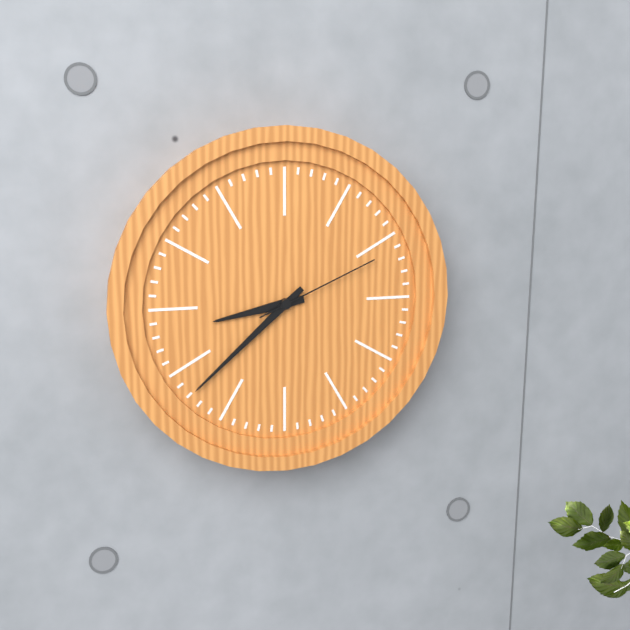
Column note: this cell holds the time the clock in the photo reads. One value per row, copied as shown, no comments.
8:38:11
